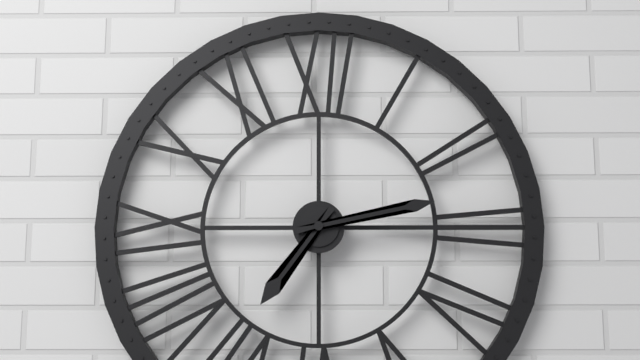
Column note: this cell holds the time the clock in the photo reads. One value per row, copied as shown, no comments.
7:13
